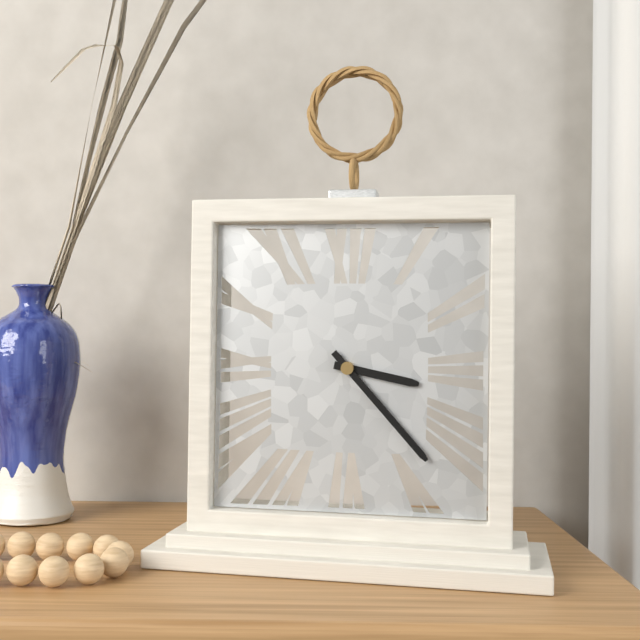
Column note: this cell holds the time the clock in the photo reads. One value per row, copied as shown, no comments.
3:23
